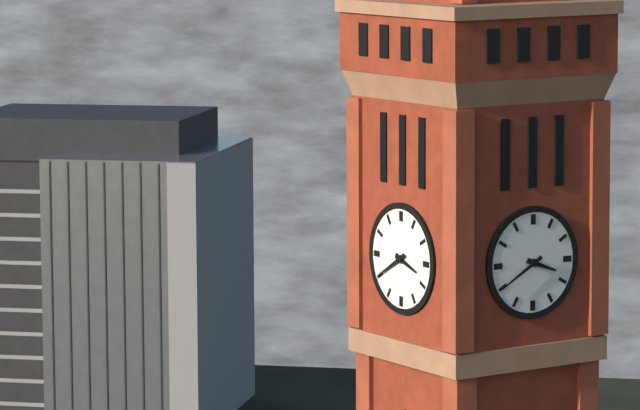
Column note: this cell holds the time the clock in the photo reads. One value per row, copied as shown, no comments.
3:40
